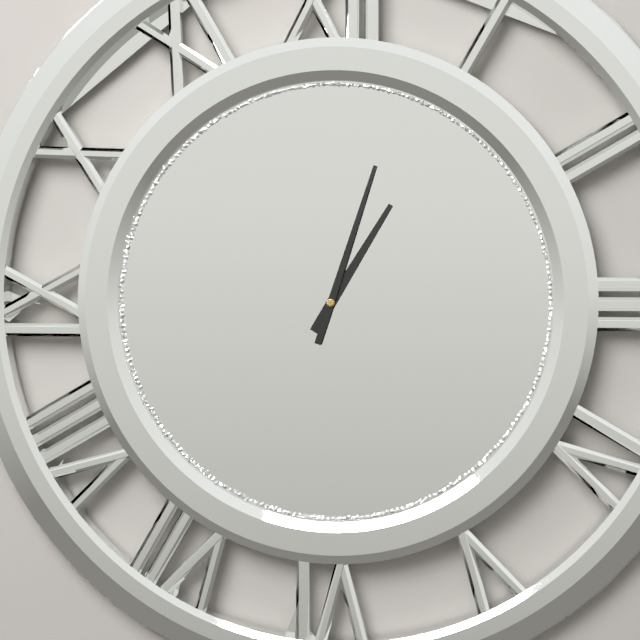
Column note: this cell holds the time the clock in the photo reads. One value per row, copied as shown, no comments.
1:03
